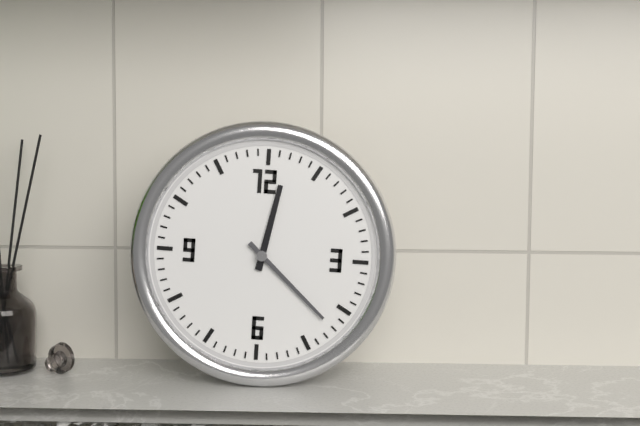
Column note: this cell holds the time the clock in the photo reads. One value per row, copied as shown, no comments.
12:22
